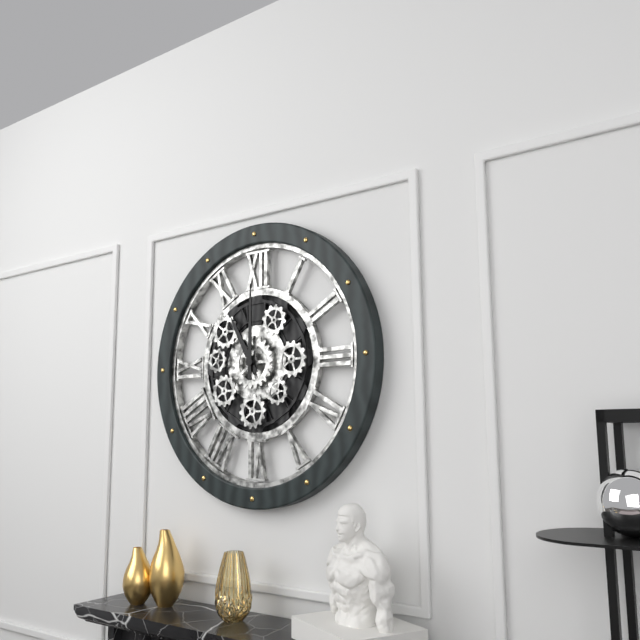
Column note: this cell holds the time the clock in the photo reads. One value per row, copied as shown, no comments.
11:00
